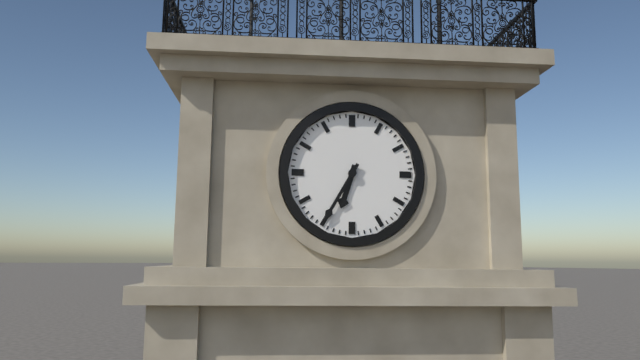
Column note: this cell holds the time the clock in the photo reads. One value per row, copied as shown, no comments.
6:35
